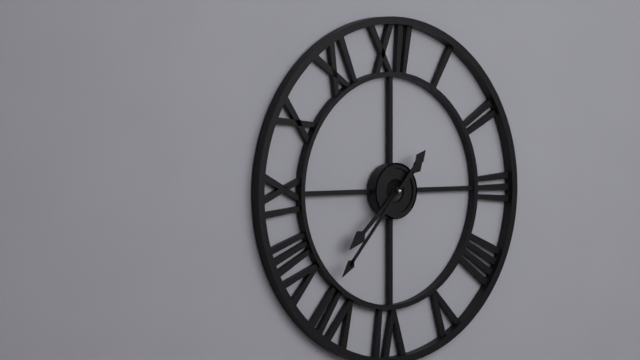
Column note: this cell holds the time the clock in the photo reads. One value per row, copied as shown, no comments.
7:37
